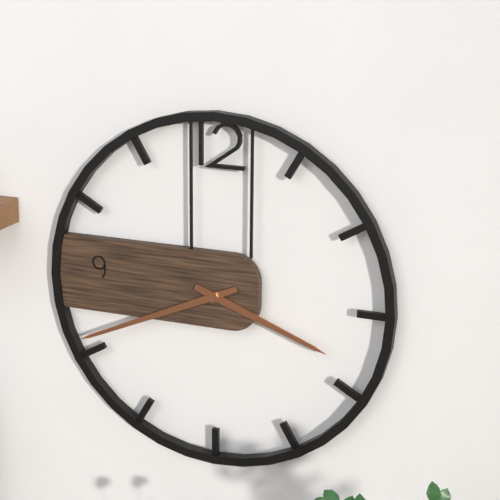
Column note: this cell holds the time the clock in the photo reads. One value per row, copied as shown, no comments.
3:41
